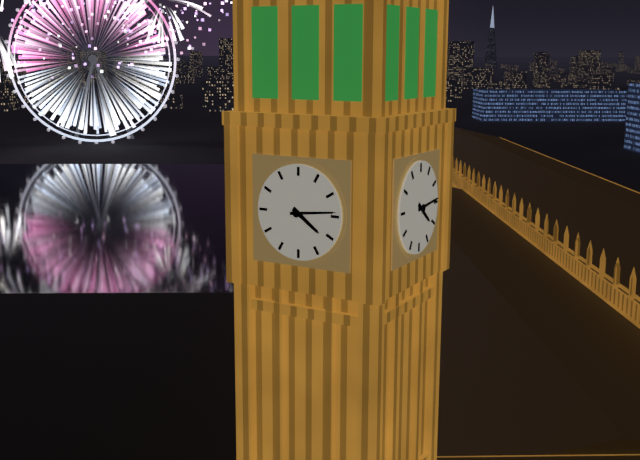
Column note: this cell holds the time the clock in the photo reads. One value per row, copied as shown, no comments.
4:14
